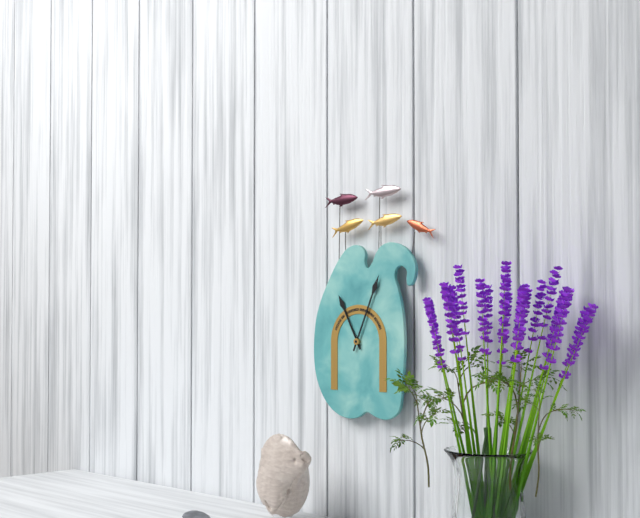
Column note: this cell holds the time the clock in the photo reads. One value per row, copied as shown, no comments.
11:04
